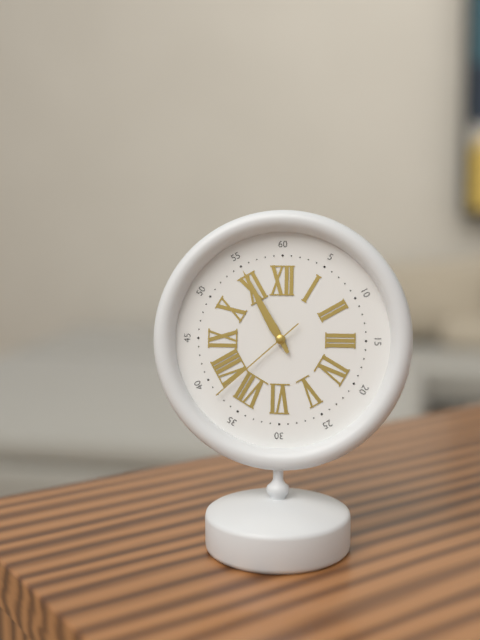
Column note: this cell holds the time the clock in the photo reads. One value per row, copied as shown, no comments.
10:55:38
